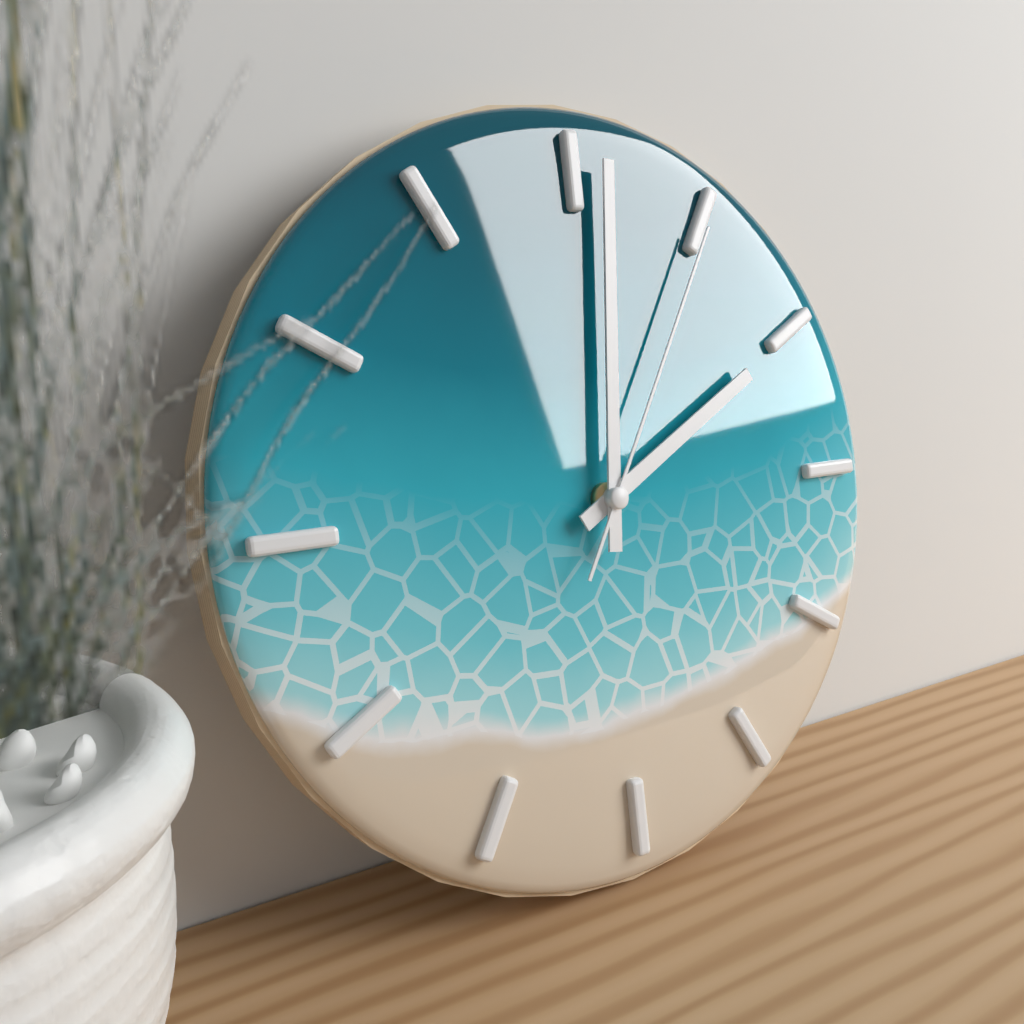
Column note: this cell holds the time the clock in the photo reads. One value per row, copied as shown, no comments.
2:01:05
